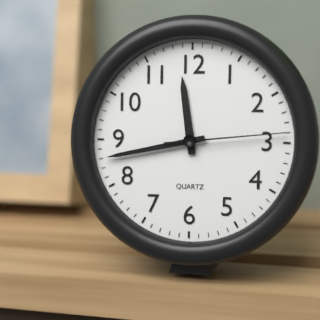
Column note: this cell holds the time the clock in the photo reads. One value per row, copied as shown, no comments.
11:43:14
